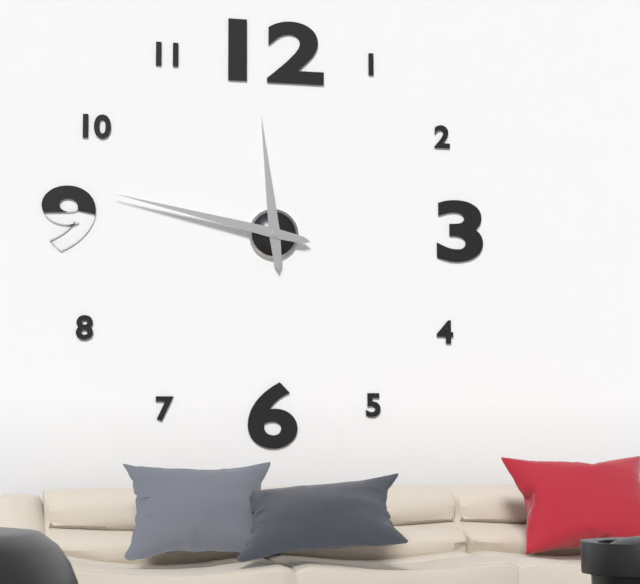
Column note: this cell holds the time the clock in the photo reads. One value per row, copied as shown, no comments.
11:47
